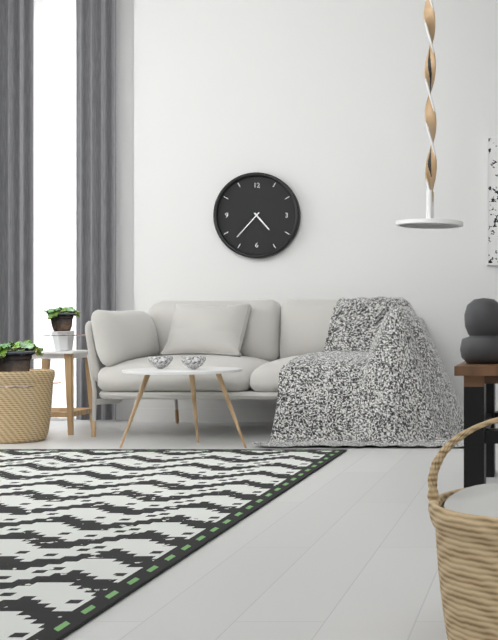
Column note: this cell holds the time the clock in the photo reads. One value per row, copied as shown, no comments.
4:37
